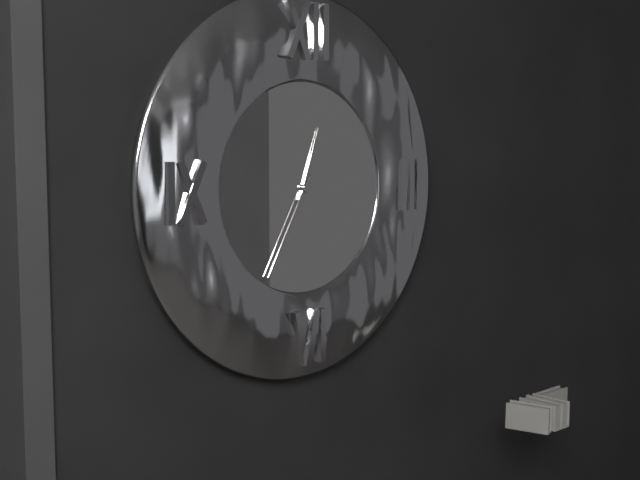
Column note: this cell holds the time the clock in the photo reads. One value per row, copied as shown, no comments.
12:35
